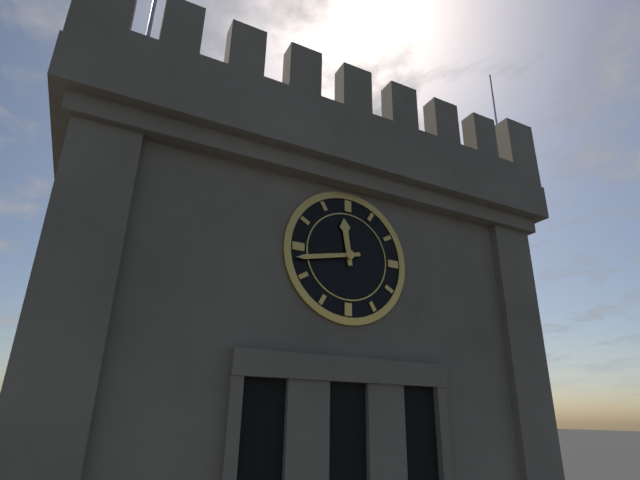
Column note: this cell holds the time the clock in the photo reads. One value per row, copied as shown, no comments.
11:43
